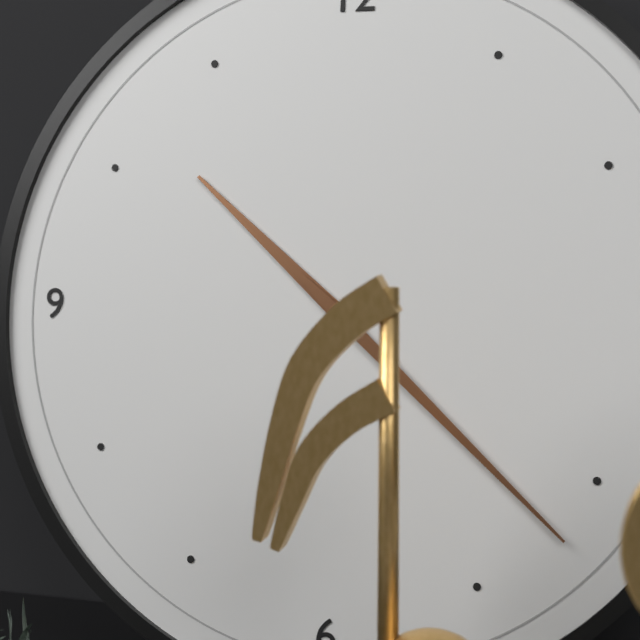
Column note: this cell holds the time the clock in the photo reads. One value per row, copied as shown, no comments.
10:22
